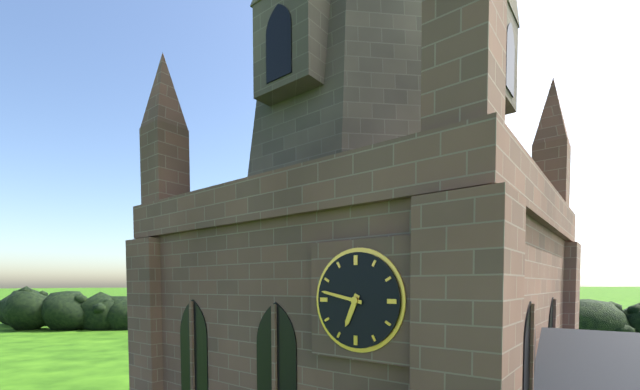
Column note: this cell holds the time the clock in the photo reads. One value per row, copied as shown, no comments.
6:47
